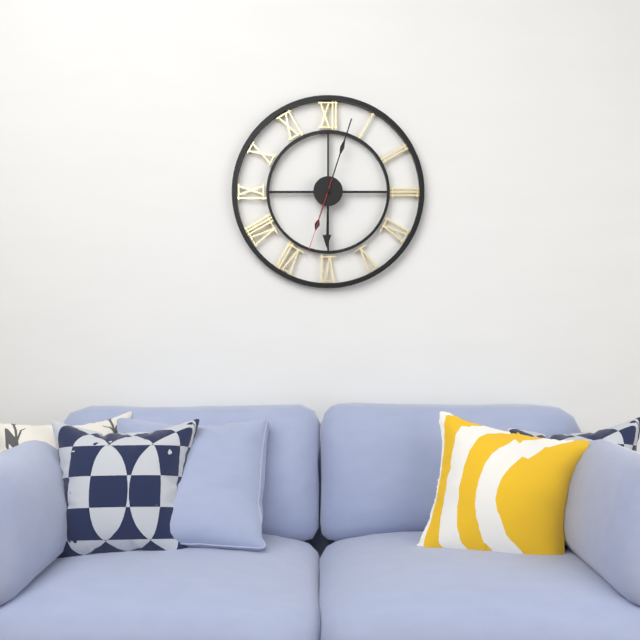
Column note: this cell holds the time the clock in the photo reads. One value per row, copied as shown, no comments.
6:03:33
